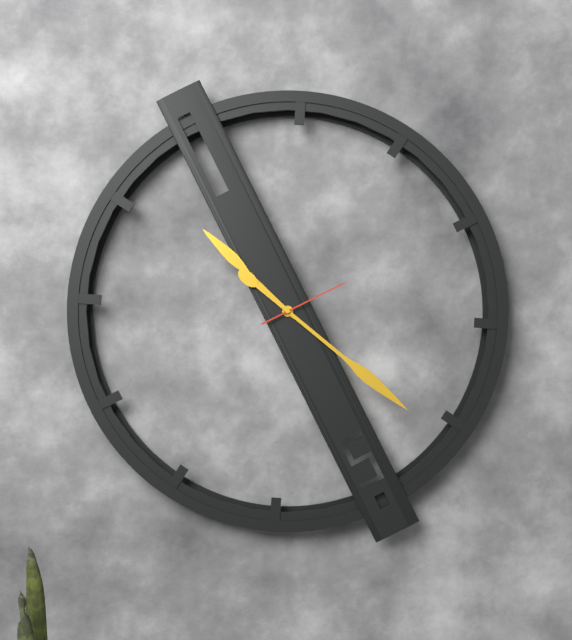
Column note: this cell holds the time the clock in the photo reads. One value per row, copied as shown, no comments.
10:21:10
